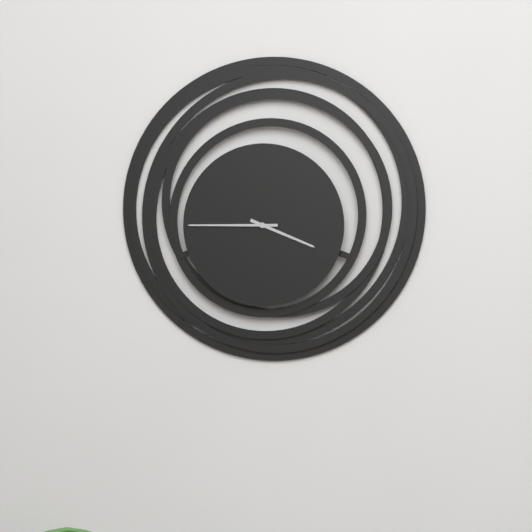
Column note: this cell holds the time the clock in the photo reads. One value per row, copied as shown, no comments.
3:45
